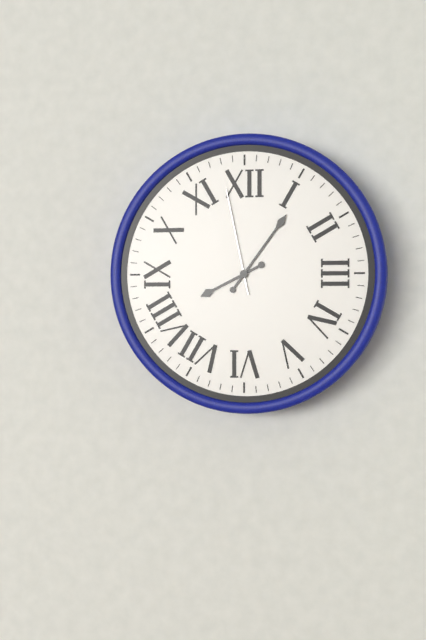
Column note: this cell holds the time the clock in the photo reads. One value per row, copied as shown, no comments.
8:06:58
